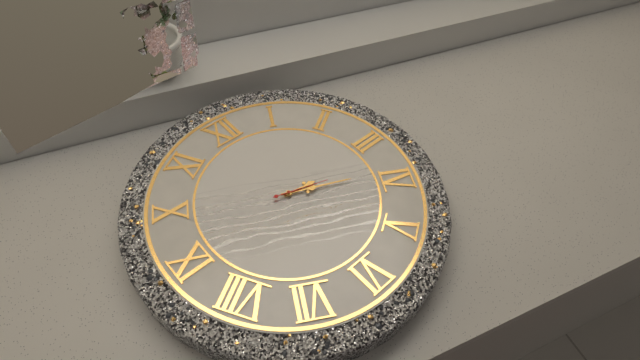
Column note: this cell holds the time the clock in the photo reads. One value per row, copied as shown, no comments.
3:19:18
